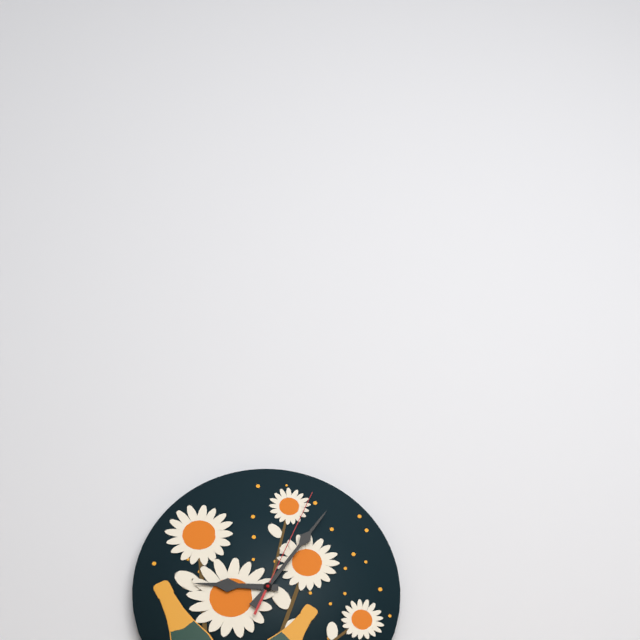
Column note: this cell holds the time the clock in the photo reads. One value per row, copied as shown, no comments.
9:06:04
